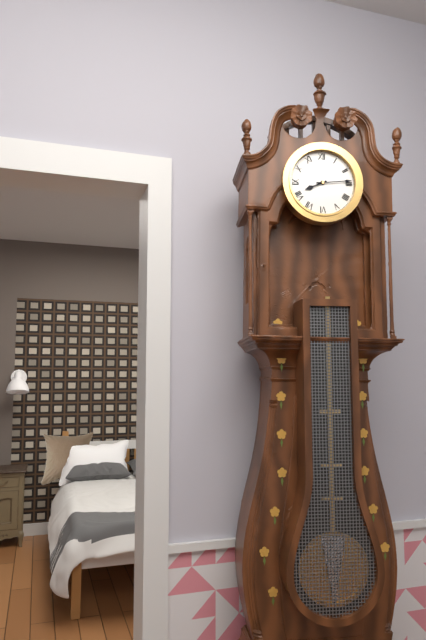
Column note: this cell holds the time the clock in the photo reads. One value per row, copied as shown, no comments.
8:14
